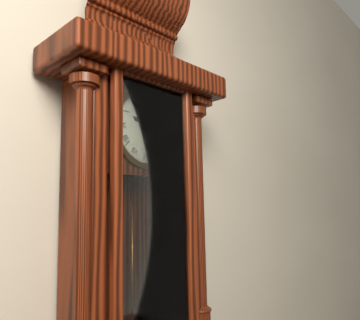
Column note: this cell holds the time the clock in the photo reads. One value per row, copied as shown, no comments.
10:06
